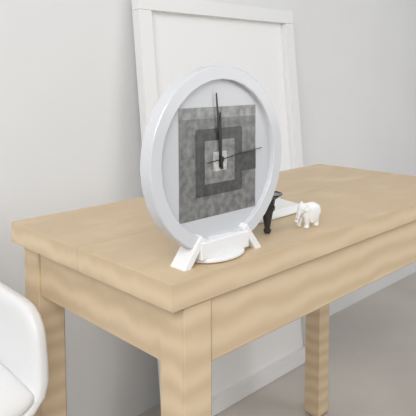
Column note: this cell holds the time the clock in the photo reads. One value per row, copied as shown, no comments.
11:59:14
